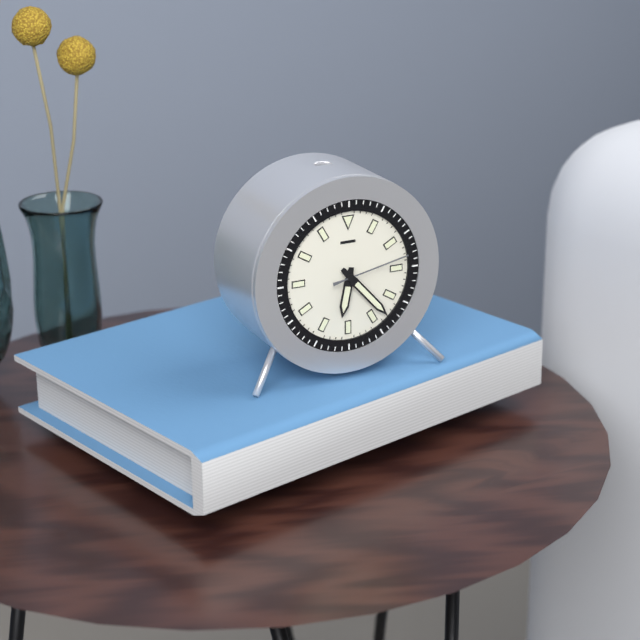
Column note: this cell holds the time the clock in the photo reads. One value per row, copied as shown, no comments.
6:23:13
